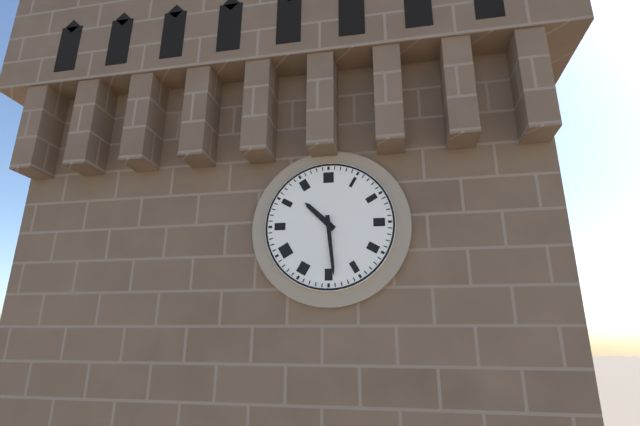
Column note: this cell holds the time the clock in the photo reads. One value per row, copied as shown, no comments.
10:29
